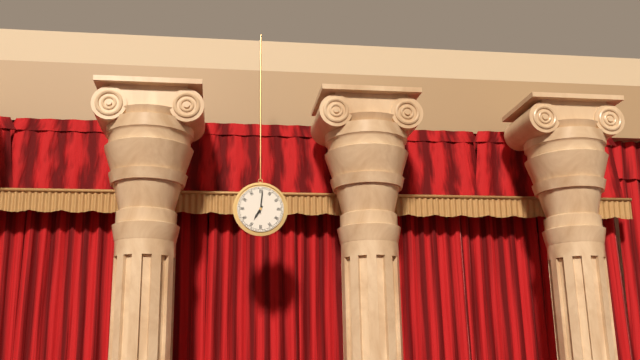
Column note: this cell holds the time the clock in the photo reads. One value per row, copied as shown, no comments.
7:01
